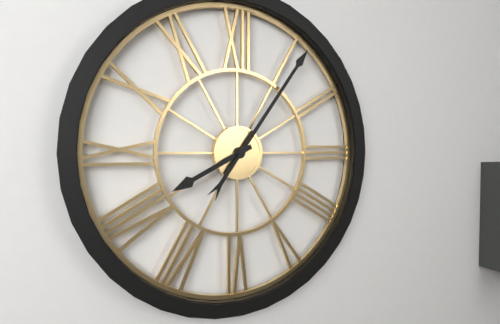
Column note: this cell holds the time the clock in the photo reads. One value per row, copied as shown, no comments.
8:06
